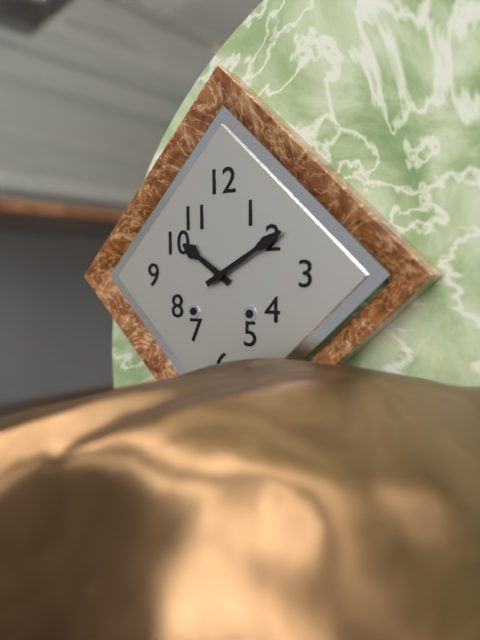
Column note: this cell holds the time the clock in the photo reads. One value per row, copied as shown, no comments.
10:10
